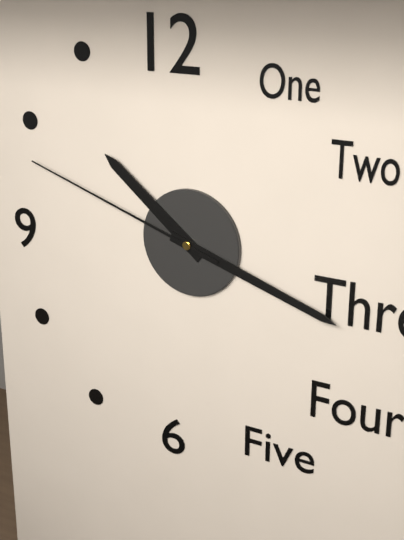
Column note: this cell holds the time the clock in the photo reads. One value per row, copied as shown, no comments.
10:18:48
